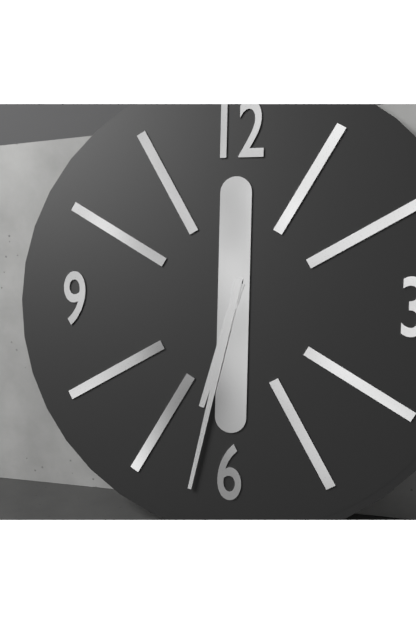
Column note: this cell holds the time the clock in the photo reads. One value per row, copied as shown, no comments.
6:32
